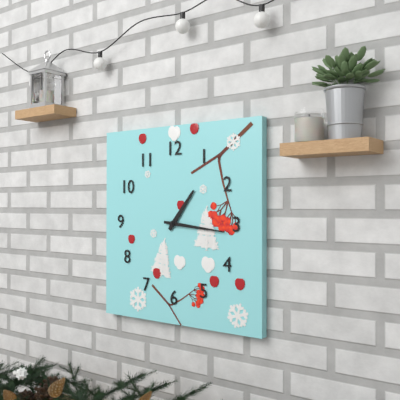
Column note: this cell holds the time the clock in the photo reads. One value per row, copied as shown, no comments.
1:16
